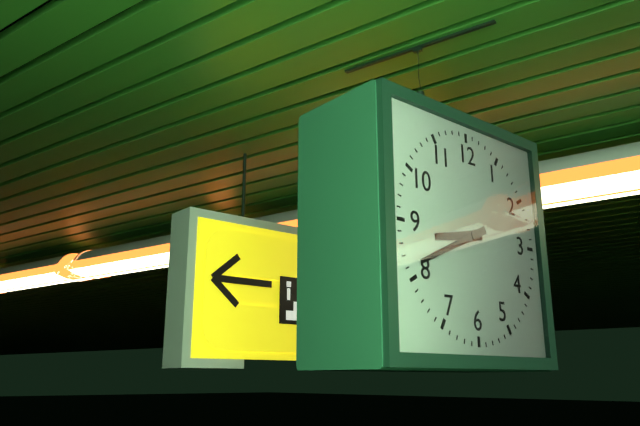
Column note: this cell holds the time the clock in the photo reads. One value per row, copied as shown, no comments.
8:41
